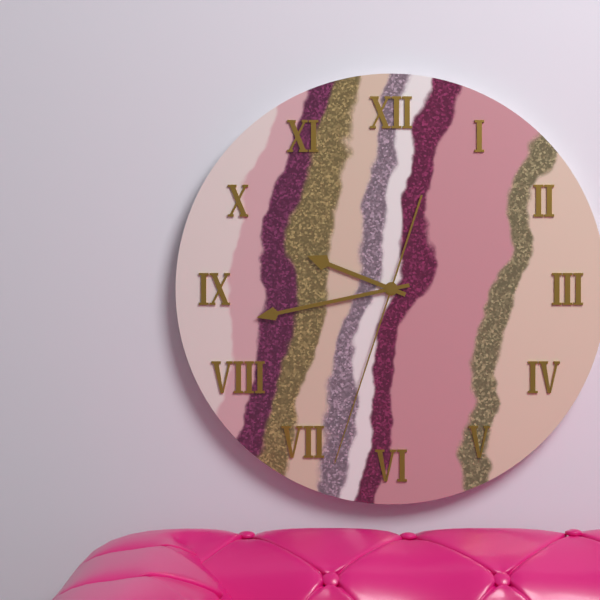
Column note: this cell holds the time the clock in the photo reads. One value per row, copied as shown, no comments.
9:43:33
